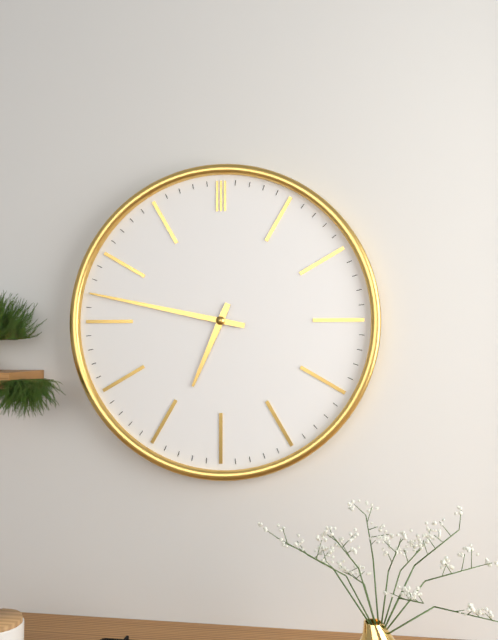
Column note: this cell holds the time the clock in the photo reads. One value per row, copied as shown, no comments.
6:47
